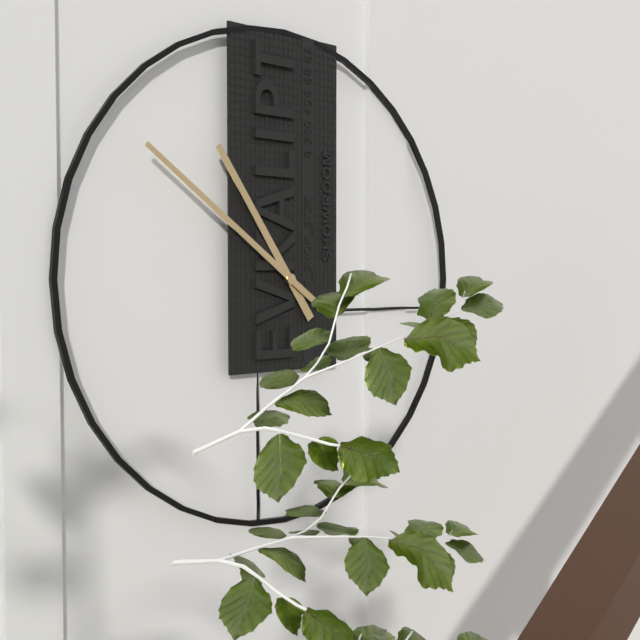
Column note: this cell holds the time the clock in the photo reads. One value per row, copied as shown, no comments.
10:51
